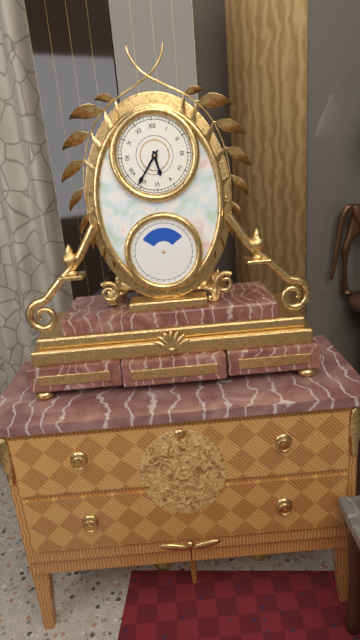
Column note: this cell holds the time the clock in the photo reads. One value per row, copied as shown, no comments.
5:36
